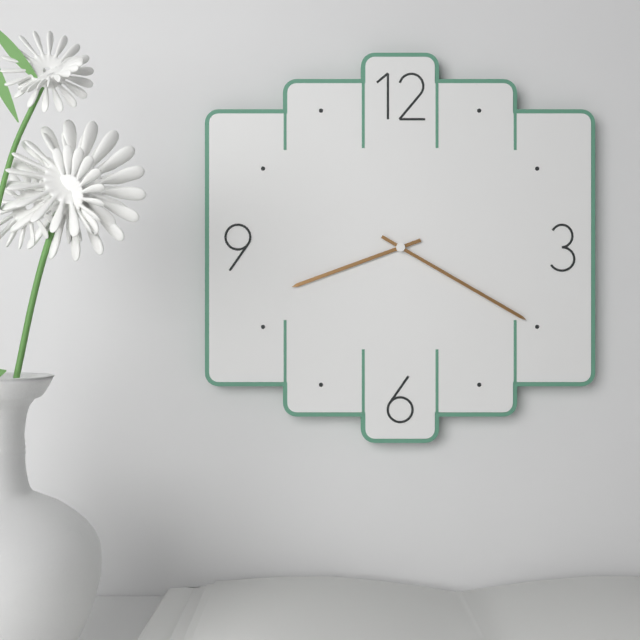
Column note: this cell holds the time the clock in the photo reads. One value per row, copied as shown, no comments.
8:20
